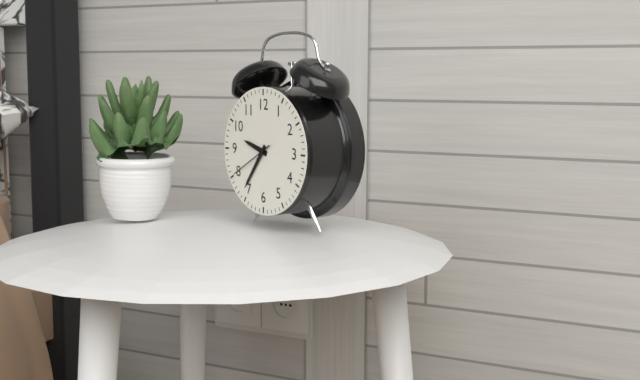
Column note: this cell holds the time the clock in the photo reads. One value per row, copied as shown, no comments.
9:36
